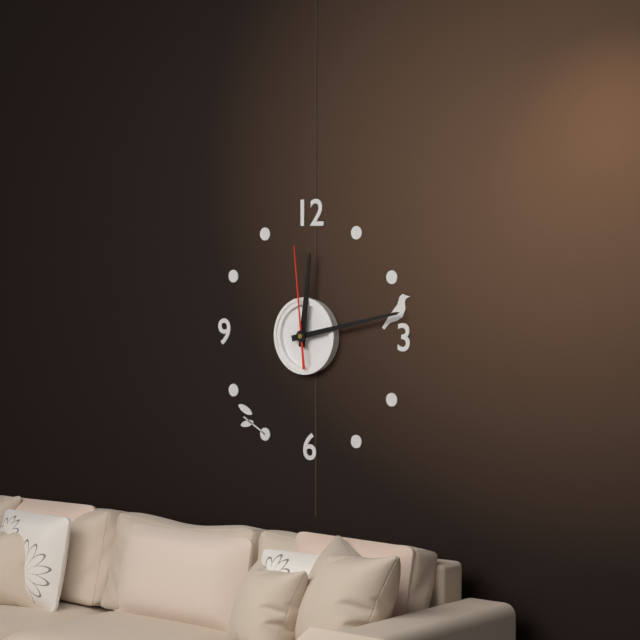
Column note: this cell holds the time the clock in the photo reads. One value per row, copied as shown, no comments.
12:13:59
